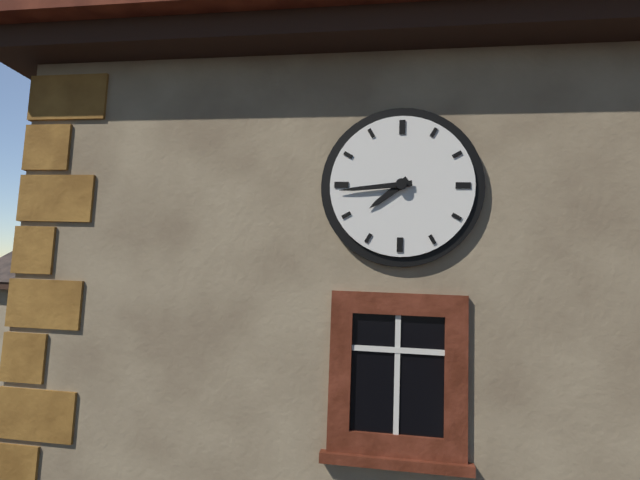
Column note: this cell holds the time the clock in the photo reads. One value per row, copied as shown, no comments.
7:44
